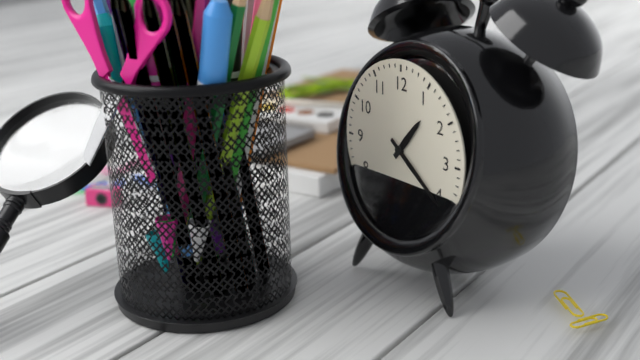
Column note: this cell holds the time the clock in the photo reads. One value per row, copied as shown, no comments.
1:21
